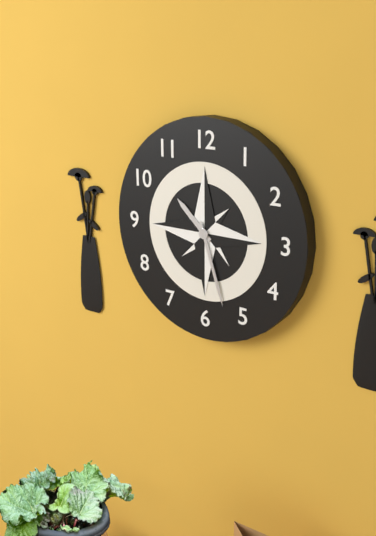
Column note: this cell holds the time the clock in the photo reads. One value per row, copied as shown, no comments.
10:27
